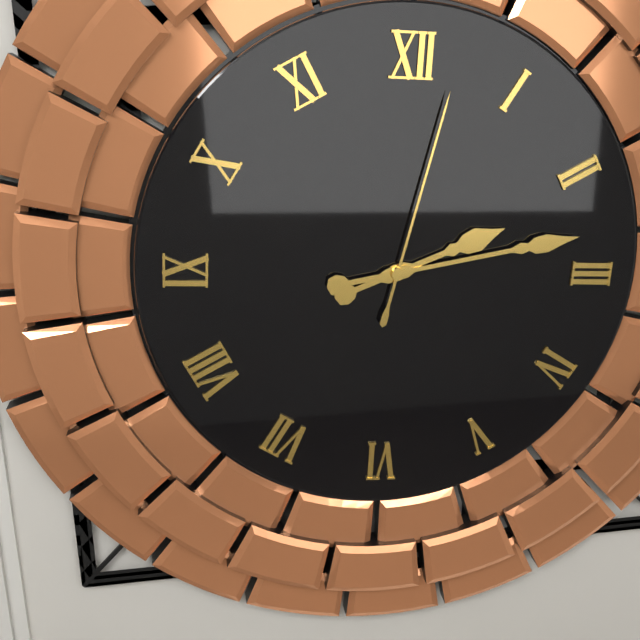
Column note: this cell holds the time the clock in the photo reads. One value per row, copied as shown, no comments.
2:13:02
